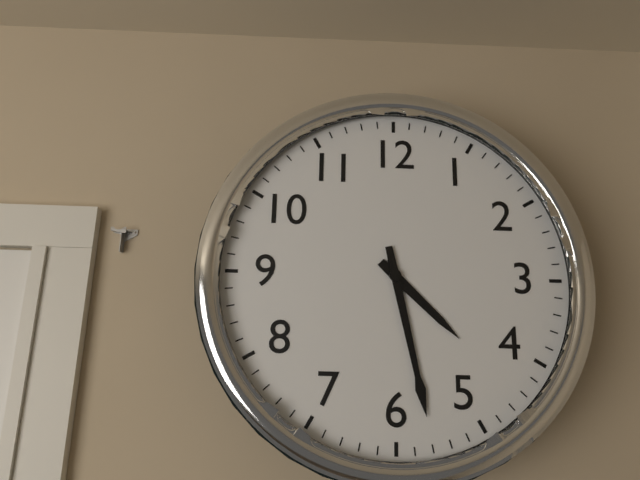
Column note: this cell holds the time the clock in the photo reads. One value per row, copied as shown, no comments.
4:28
